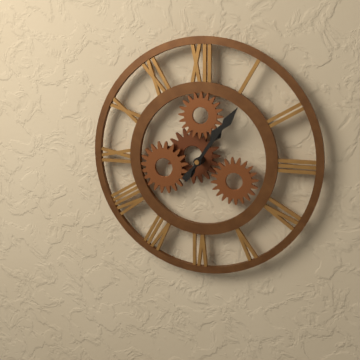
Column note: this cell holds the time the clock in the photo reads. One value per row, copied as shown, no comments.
1:06
